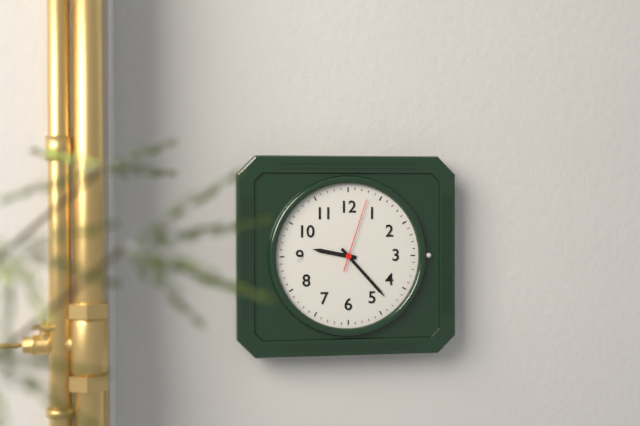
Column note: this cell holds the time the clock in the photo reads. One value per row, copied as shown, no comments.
9:23:03
